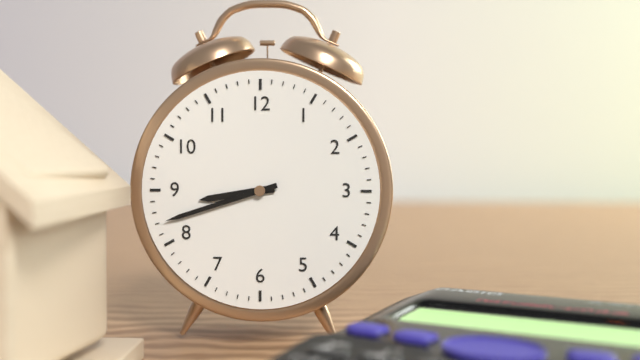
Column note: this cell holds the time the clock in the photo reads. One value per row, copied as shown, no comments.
8:42
